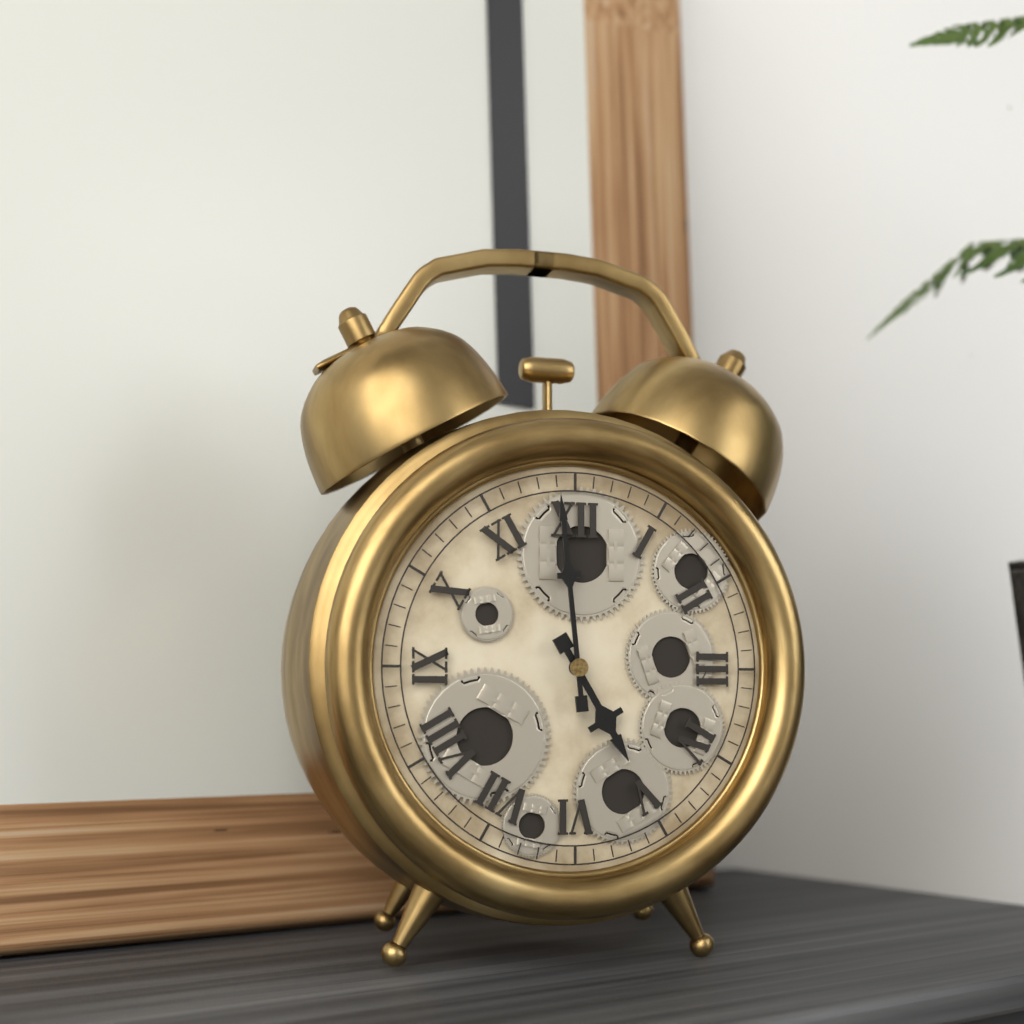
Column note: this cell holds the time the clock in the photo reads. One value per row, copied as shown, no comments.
4:59
